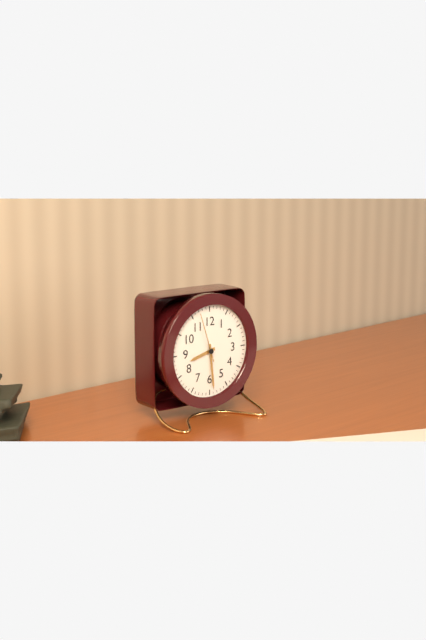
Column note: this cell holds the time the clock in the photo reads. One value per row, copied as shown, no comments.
8:29
